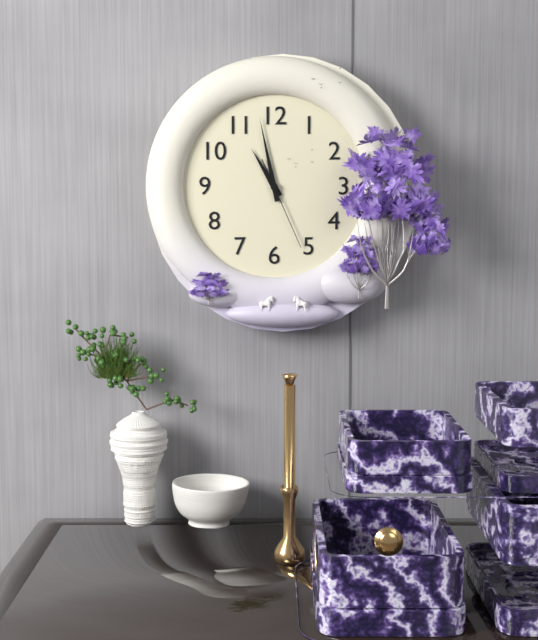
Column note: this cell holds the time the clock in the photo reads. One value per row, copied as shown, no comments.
10:58:26
